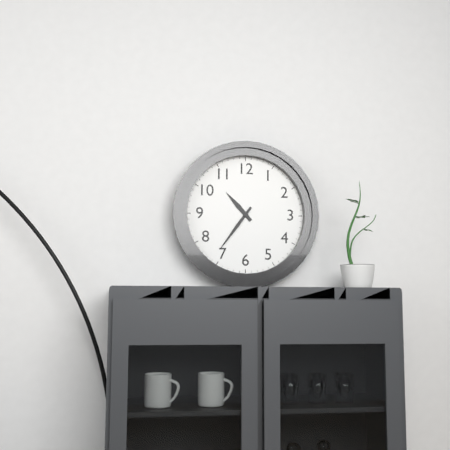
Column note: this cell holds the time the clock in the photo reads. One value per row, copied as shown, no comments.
10:36
